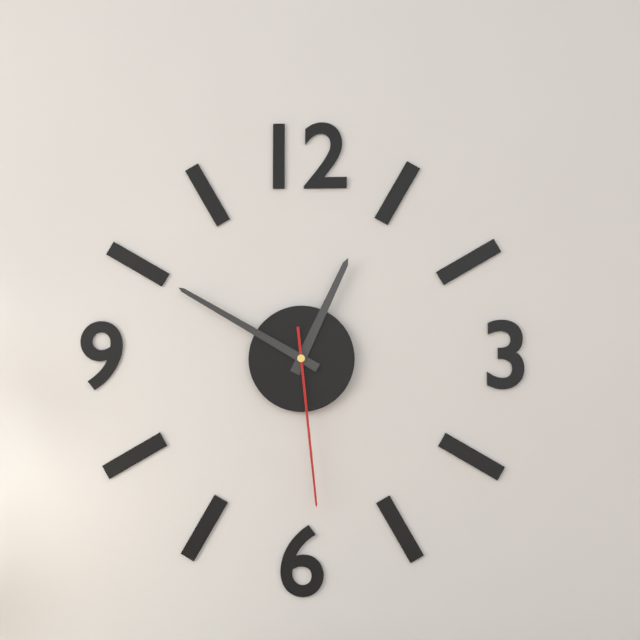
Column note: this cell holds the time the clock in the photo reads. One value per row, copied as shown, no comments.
12:50:29
